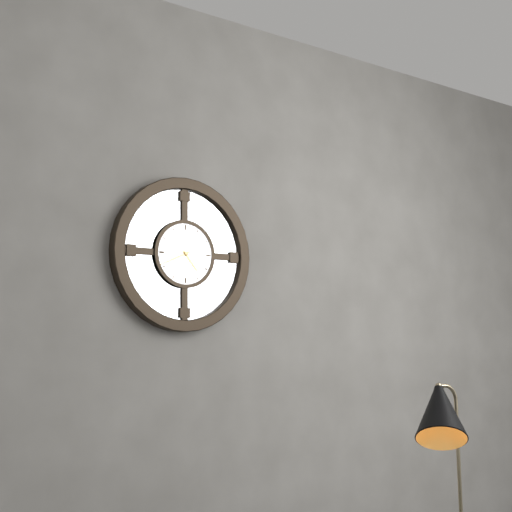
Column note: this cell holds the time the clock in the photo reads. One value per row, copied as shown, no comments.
4:41
